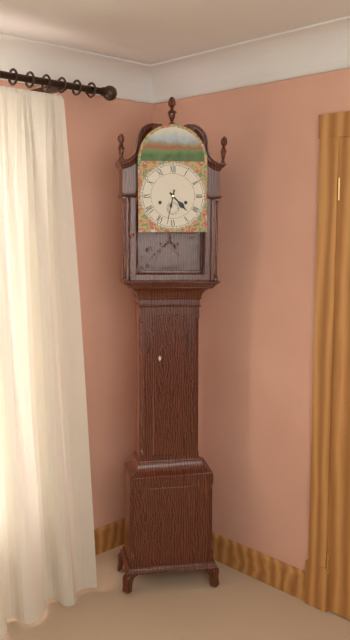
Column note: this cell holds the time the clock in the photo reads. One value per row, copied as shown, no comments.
4:32
